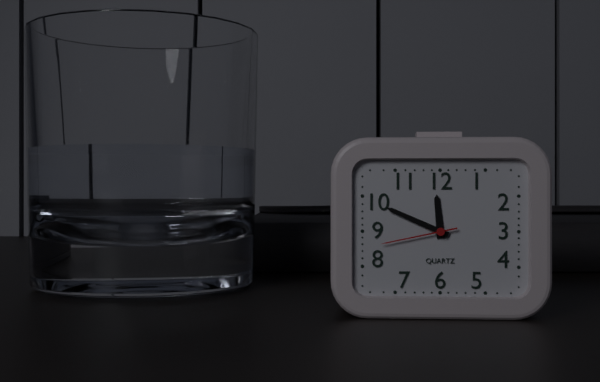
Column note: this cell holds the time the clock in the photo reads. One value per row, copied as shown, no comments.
11:49:43
